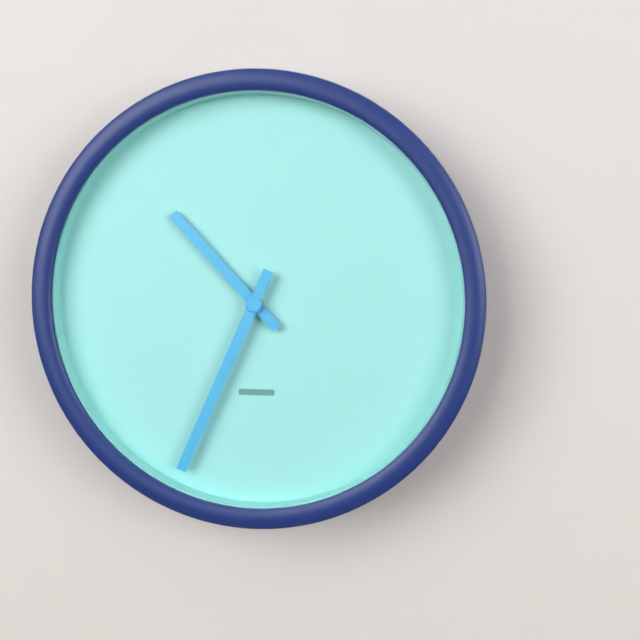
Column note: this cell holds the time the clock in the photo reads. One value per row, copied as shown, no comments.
10:34
